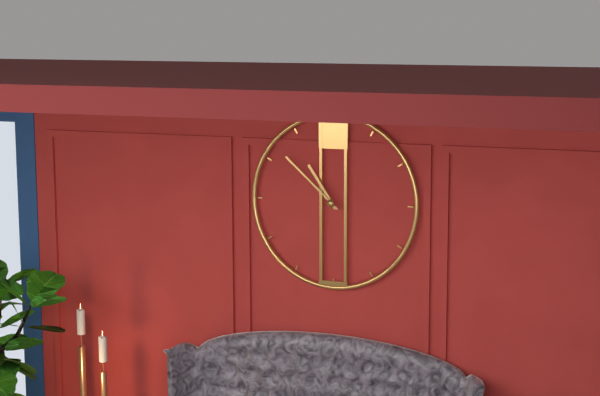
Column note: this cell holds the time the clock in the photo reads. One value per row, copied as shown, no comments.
10:52
